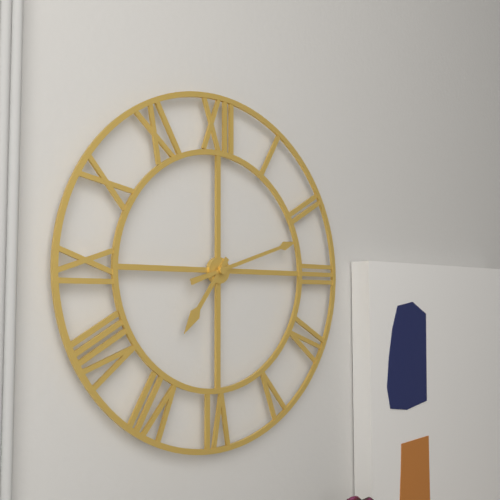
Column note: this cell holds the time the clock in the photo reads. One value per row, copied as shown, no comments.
7:12
